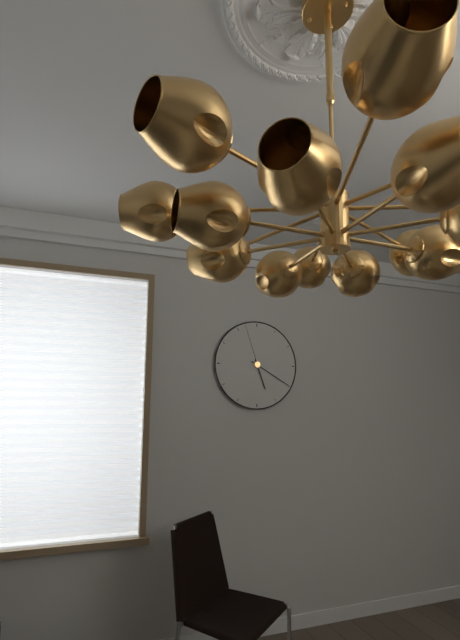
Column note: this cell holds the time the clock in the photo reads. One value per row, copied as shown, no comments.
5:20:57
